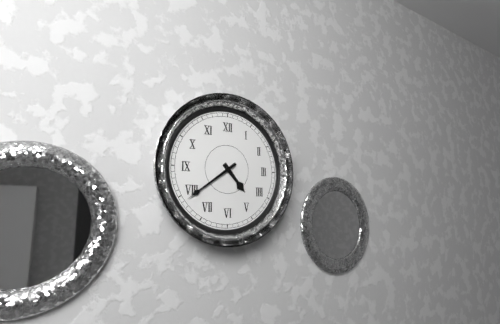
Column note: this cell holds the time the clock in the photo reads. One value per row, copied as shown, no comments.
4:39
